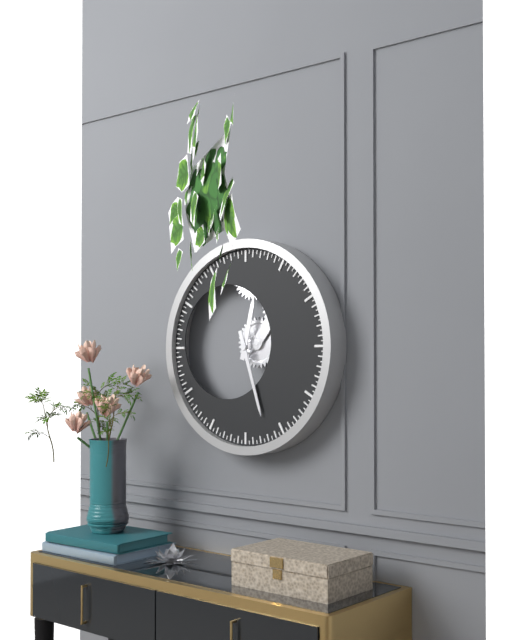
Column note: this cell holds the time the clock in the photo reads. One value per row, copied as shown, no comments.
12:27
